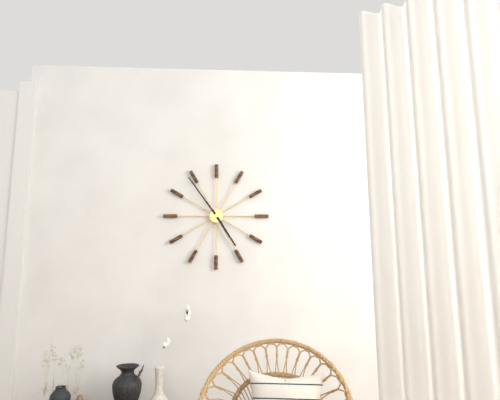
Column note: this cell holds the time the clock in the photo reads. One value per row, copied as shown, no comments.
4:54
